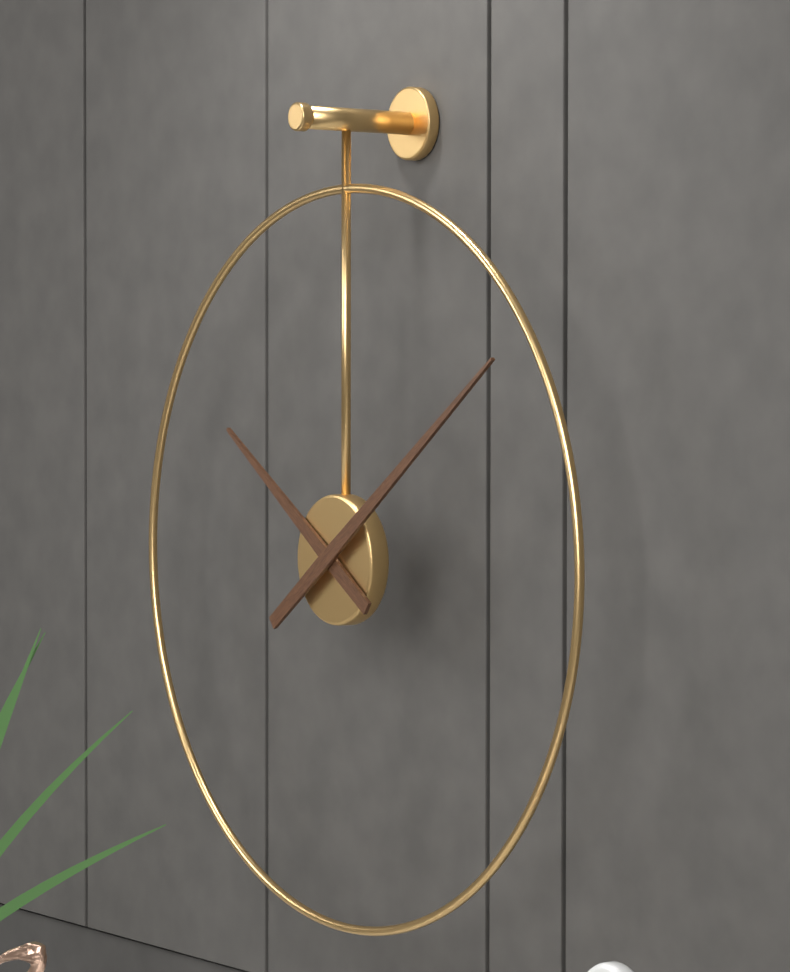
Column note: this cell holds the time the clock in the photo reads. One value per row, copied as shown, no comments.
10:09
